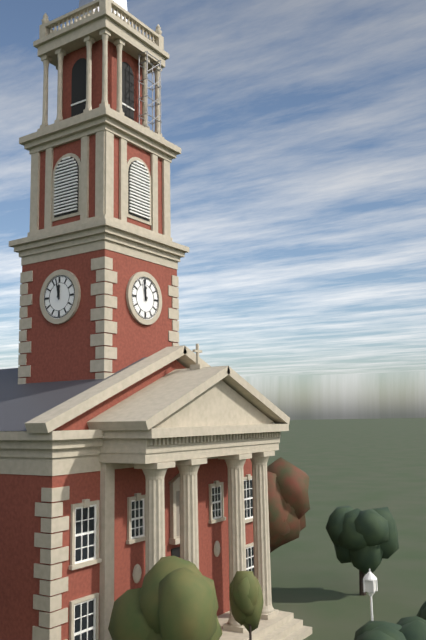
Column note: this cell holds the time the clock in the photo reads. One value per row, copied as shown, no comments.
11:58
